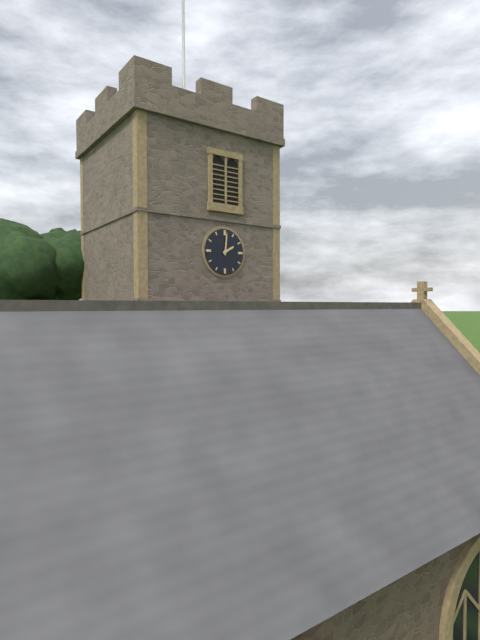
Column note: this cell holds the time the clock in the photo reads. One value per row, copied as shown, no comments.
2:01
